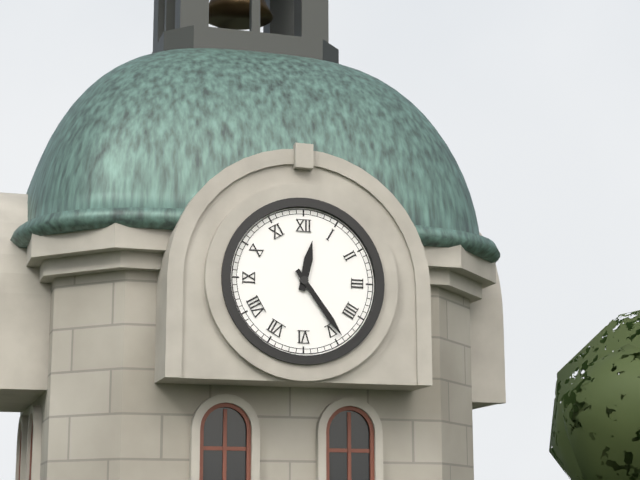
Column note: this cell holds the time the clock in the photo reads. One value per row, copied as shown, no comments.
12:24
